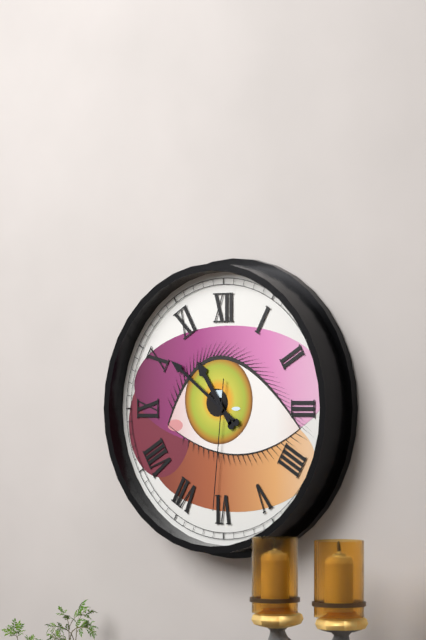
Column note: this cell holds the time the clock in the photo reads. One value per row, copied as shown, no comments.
10:51:31
